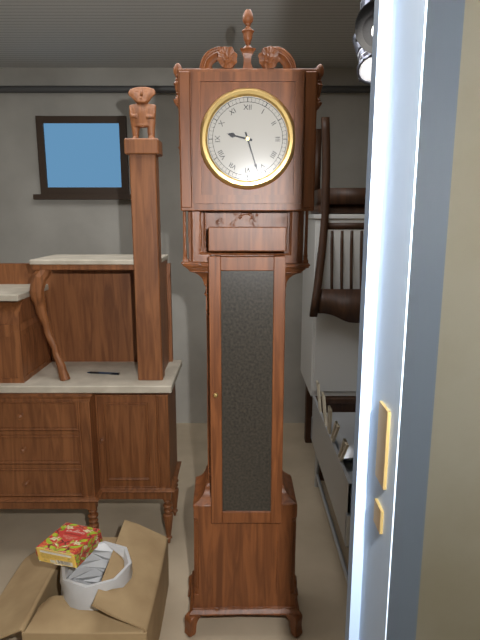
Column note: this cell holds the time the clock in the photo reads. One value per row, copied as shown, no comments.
9:27
